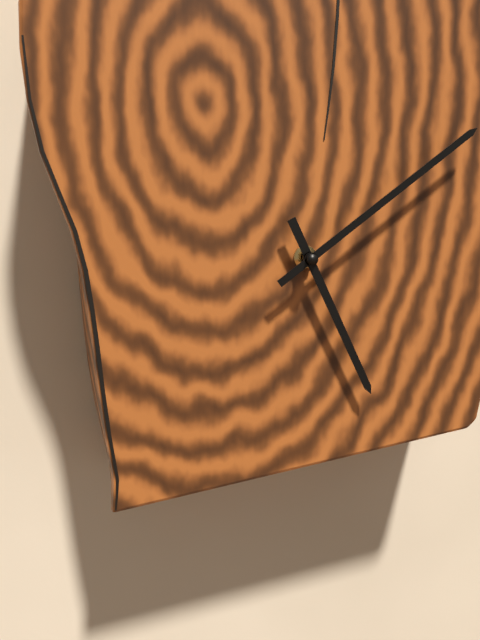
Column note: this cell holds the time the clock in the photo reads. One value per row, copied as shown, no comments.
5:09
